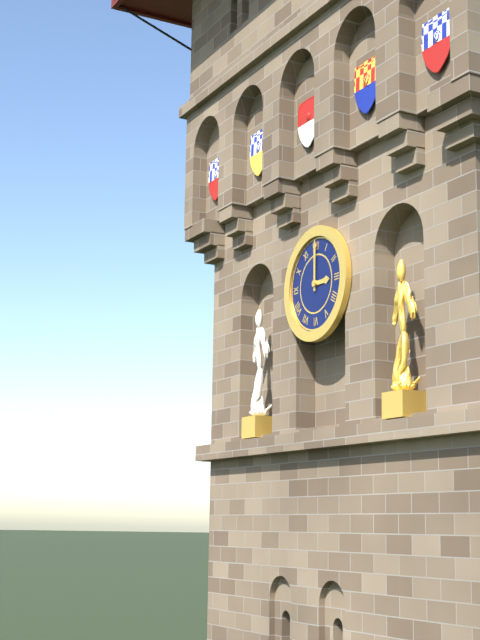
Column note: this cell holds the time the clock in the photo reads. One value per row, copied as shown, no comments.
3:00
